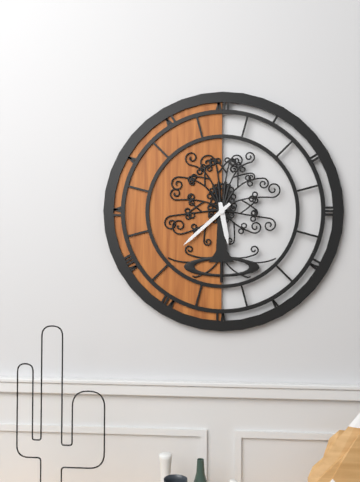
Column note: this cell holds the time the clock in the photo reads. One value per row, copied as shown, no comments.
5:38
